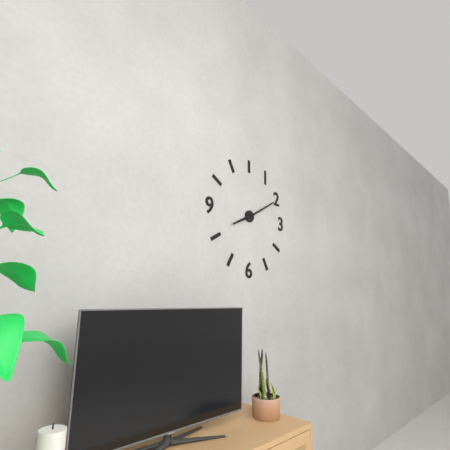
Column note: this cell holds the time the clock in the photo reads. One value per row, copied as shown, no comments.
8:10
